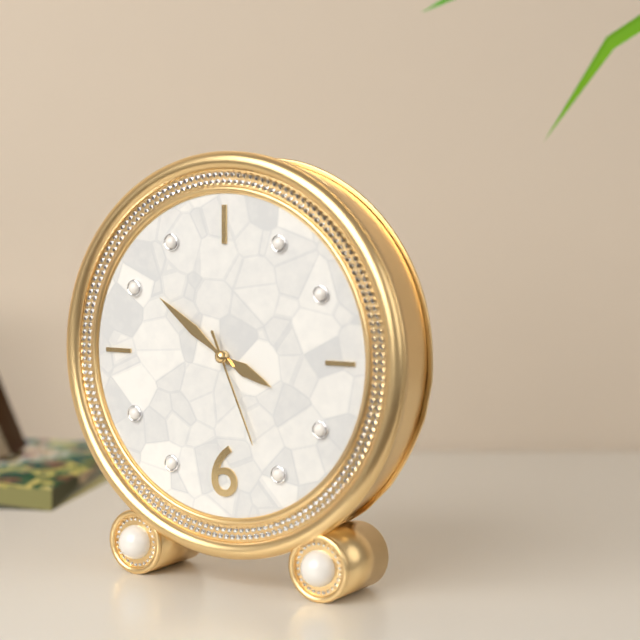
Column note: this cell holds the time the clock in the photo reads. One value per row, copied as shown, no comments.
3:51:26
